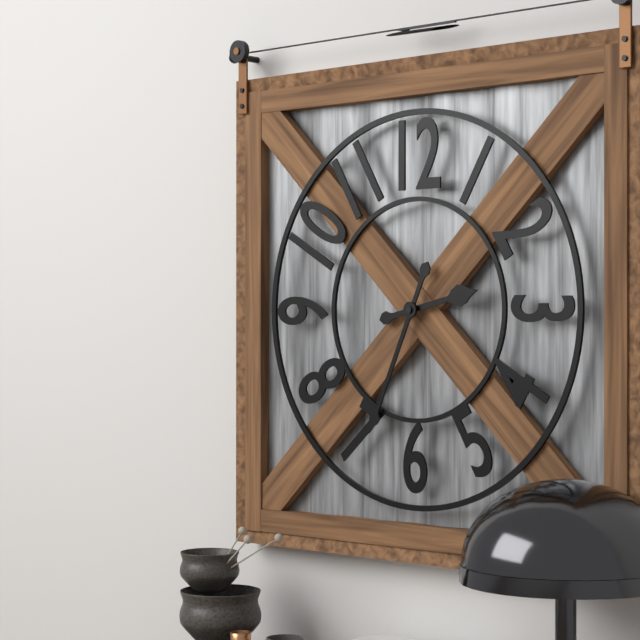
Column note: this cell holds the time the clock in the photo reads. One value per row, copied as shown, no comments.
2:34
